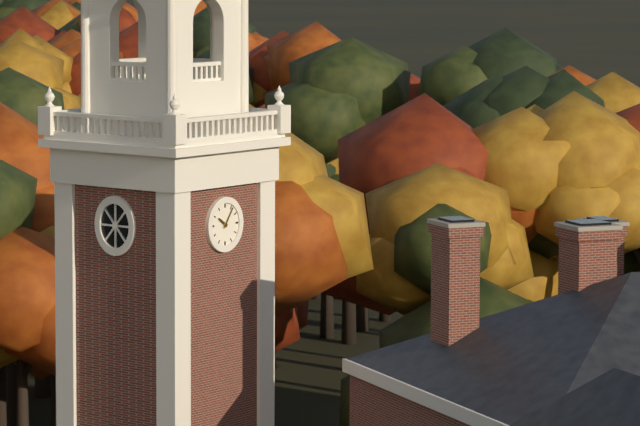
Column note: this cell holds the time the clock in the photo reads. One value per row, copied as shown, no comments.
10:06
